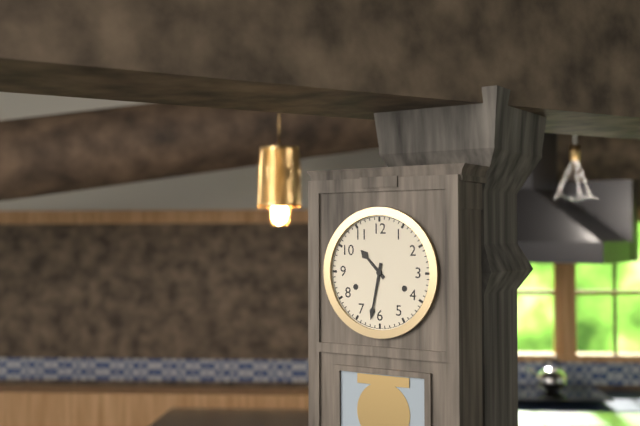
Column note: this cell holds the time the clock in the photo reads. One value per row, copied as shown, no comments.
10:32
